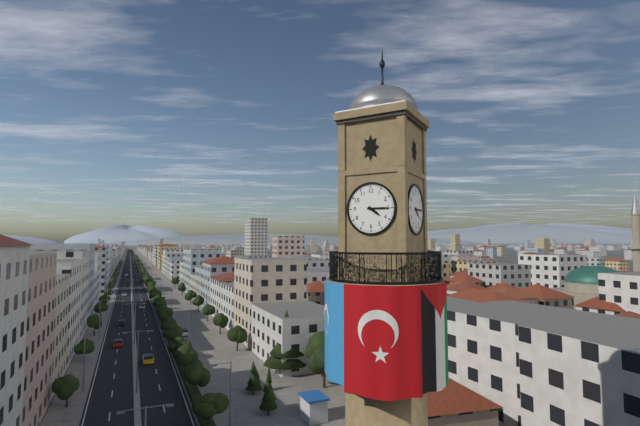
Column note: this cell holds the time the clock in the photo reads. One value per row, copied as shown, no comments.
4:15
